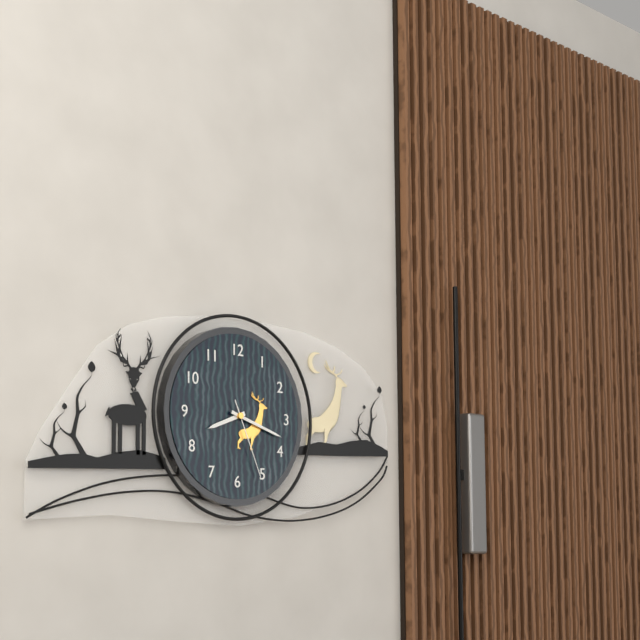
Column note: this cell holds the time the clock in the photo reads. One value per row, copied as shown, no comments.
8:18:26
